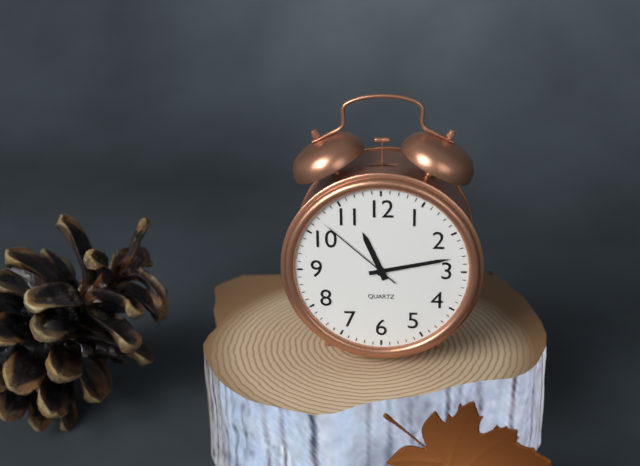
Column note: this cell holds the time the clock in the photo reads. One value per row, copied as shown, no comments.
11:13:52
